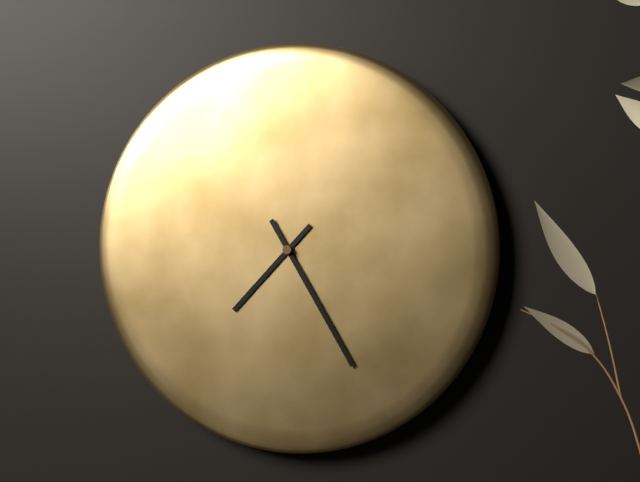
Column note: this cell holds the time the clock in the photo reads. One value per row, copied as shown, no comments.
7:25
